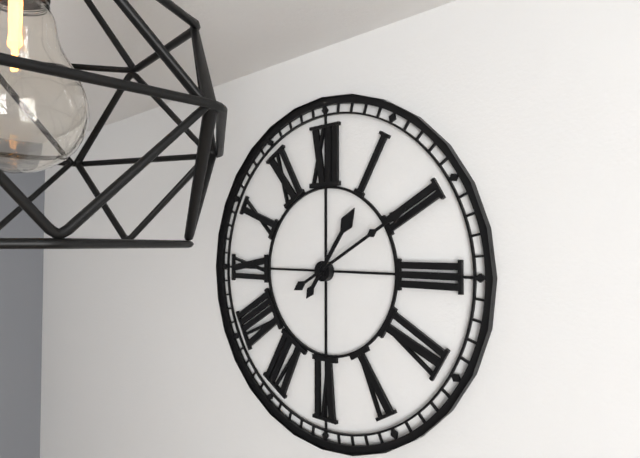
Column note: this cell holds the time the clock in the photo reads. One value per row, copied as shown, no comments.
1:10
